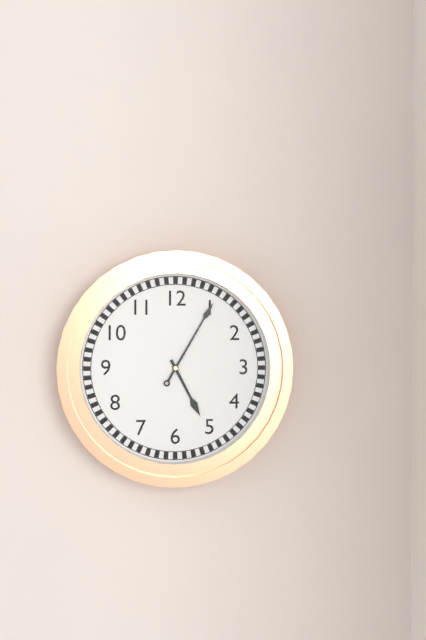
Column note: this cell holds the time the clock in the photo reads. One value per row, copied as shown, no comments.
5:05
